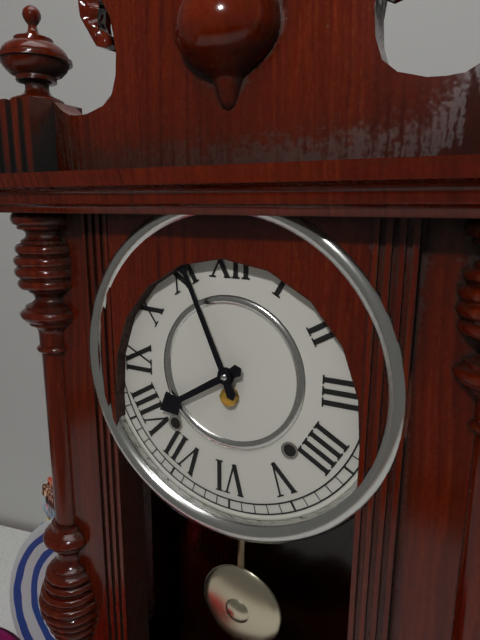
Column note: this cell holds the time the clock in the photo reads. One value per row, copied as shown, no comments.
7:56
